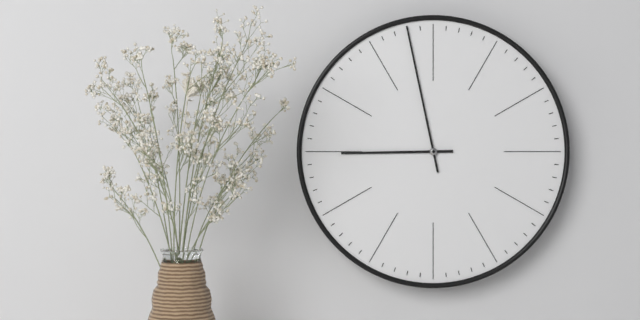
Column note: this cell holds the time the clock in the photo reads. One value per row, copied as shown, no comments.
8:58
